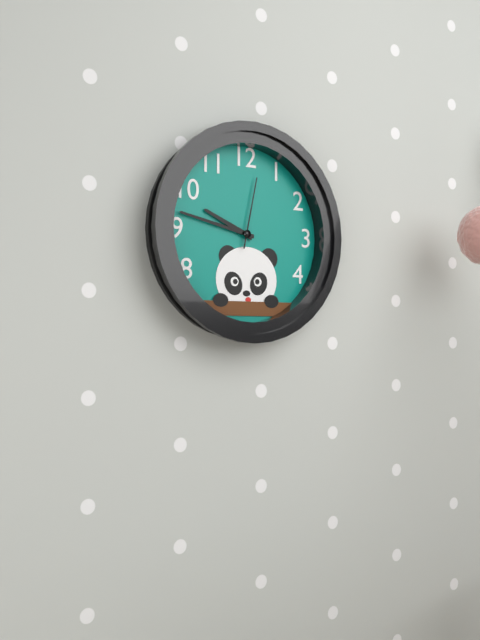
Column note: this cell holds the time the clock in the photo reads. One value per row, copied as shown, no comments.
9:47:02
